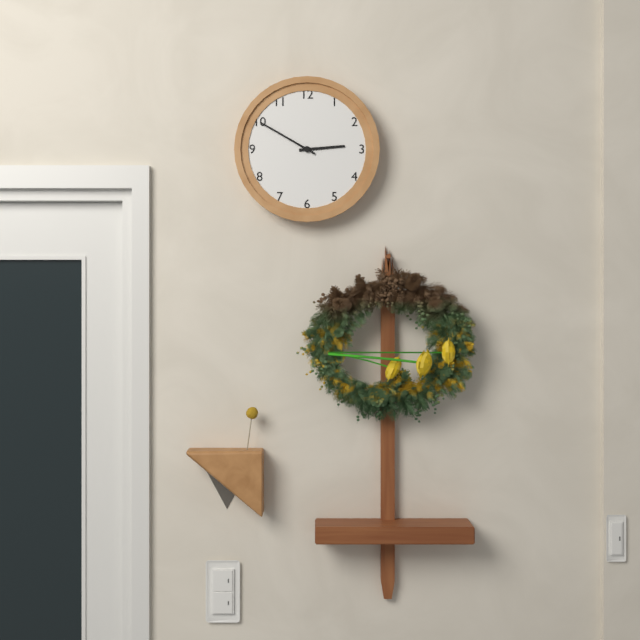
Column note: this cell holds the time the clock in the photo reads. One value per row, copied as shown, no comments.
2:50
